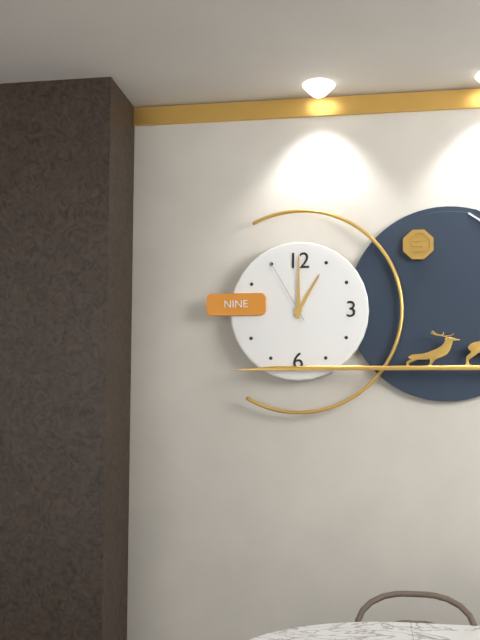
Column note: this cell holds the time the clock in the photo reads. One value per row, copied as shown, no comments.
1:00:55
